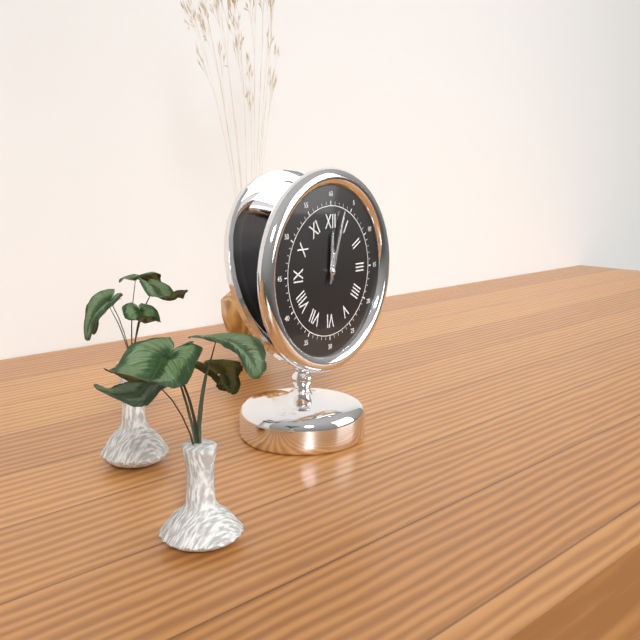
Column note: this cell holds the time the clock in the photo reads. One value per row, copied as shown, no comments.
12:03
